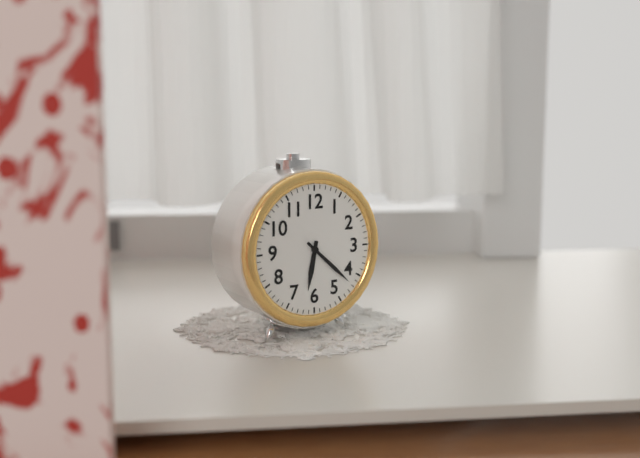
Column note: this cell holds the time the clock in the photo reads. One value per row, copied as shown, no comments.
6:22
